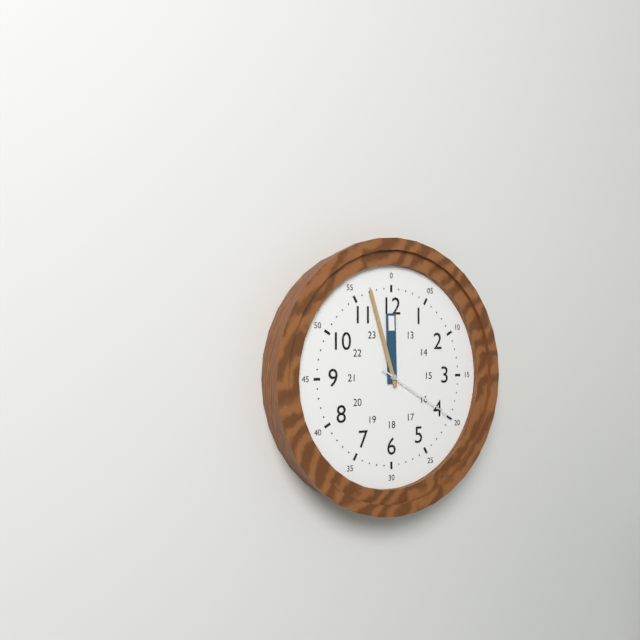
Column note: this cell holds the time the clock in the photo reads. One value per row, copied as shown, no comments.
11:57:20
